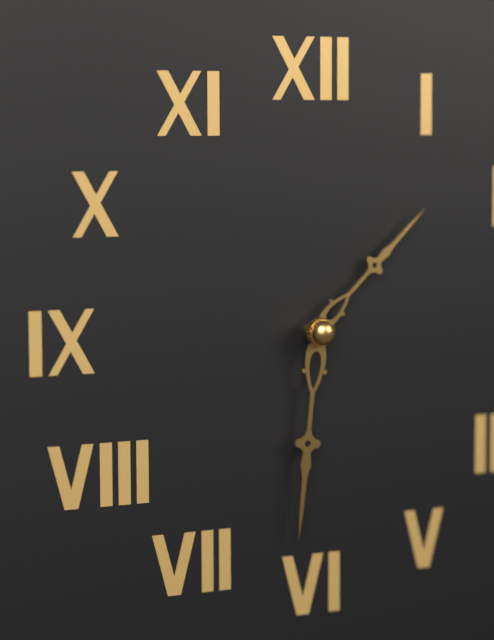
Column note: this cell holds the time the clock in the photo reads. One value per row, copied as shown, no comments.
1:31
